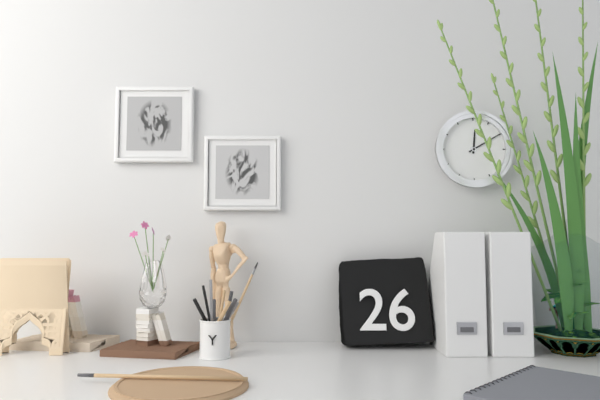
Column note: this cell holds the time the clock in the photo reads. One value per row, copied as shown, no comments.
12:10
